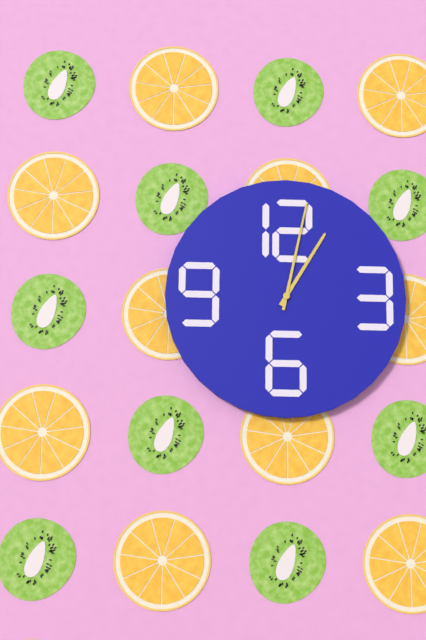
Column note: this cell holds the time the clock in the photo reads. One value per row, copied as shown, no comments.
1:02
